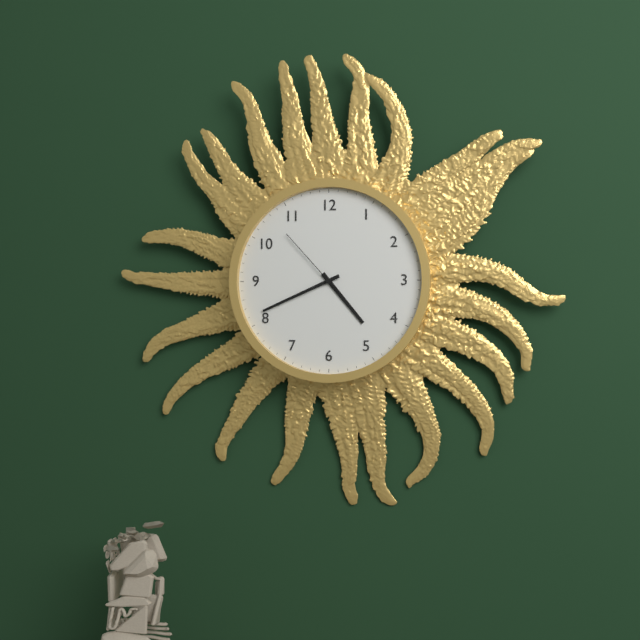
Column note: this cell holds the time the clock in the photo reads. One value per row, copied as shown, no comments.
4:41:53
